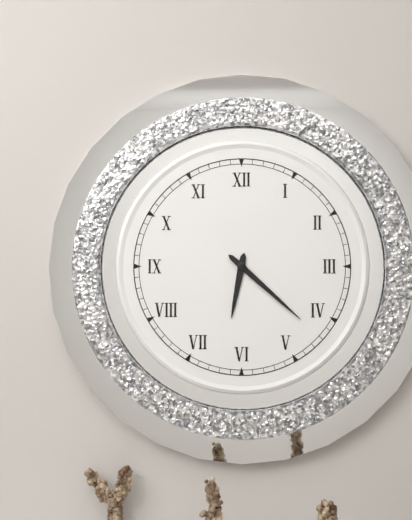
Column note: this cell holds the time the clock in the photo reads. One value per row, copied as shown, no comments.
6:22
